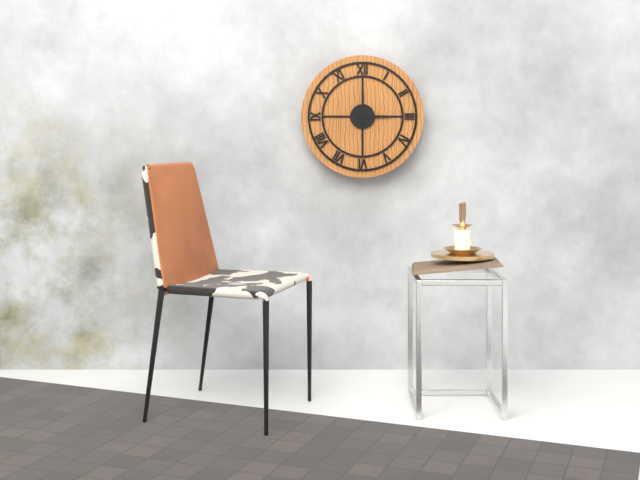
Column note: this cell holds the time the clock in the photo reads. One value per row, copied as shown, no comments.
3:00
